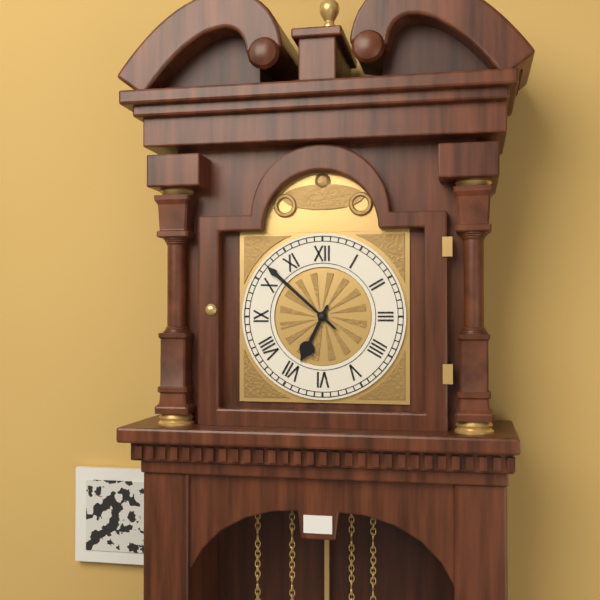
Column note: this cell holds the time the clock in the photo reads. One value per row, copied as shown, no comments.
6:52
